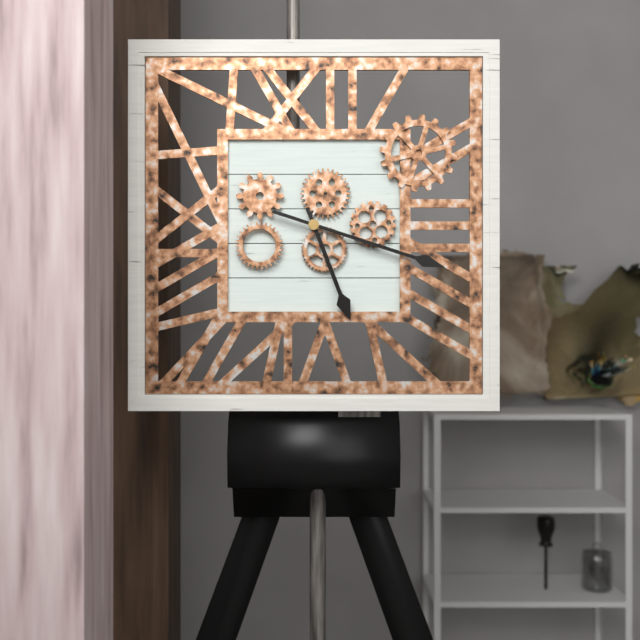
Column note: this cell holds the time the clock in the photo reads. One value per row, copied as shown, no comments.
5:18
